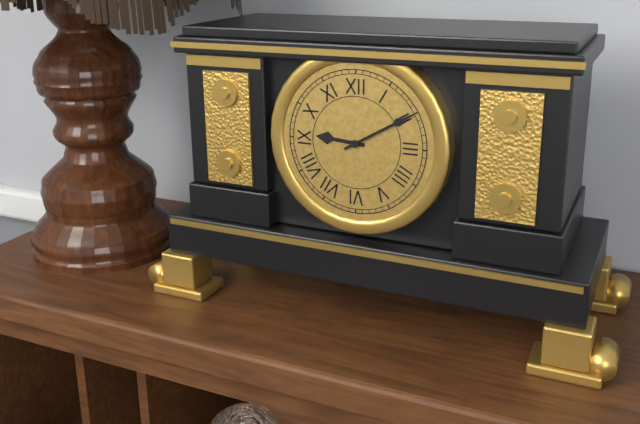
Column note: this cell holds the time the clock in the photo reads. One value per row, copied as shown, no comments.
9:10
